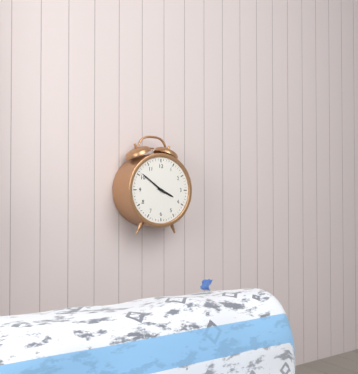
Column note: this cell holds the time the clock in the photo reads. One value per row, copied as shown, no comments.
3:51
